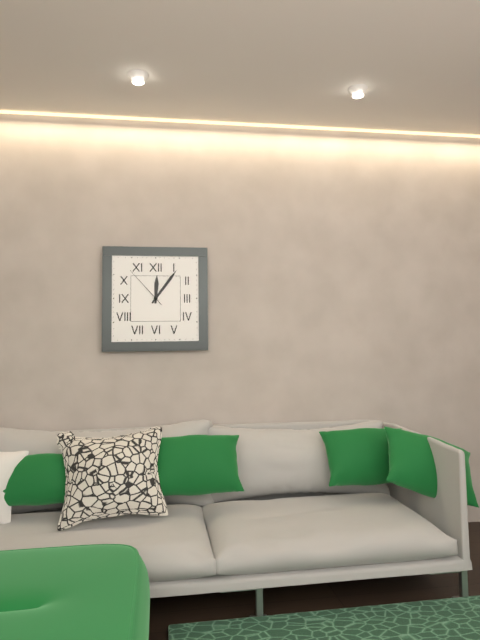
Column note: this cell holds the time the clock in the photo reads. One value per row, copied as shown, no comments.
12:06
